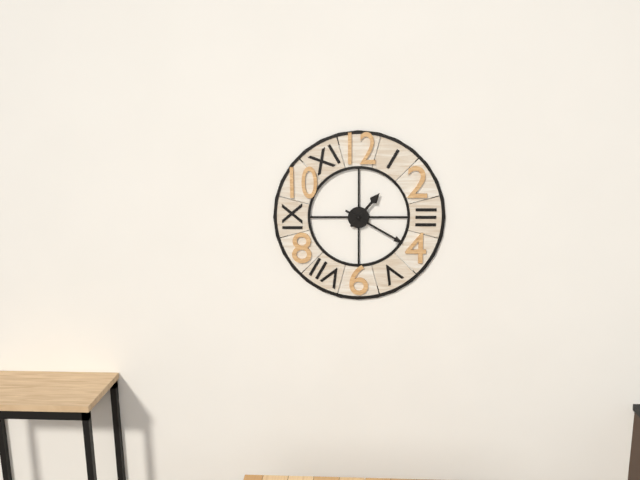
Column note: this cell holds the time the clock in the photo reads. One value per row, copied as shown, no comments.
1:20
